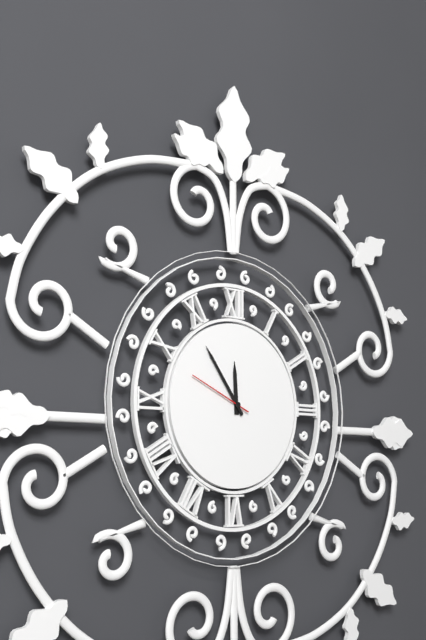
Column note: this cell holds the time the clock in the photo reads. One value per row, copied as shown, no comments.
11:54:49
